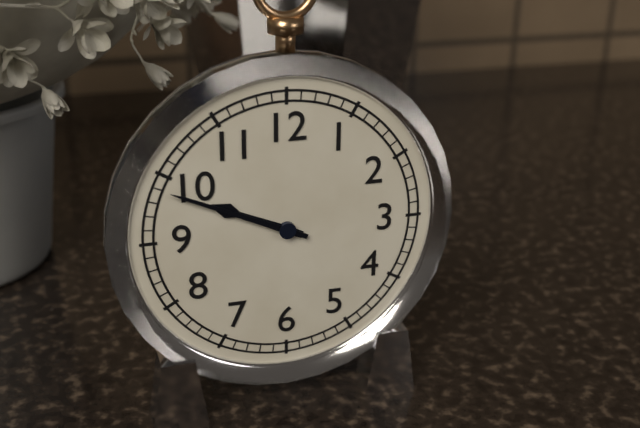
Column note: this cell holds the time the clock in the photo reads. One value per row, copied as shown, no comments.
9:49
